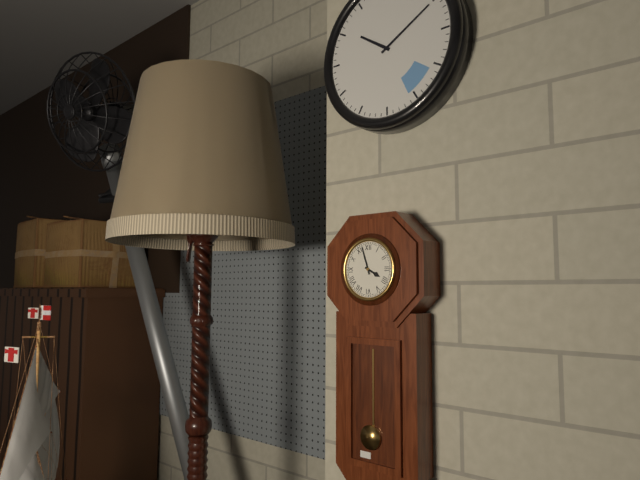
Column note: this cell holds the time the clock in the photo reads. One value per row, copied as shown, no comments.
3:57
